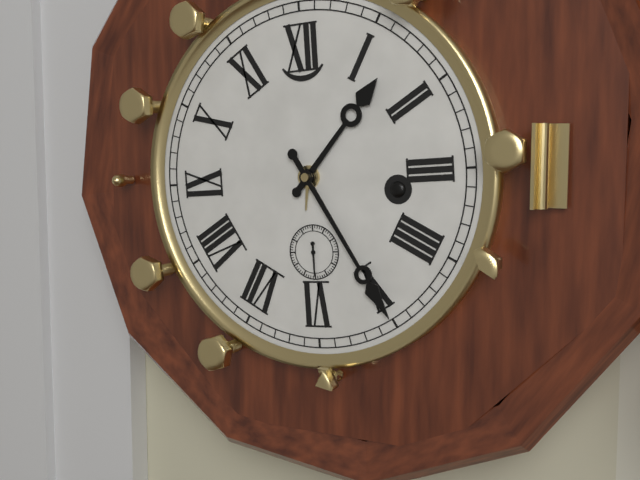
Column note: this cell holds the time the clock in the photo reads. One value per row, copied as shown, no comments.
1:25
